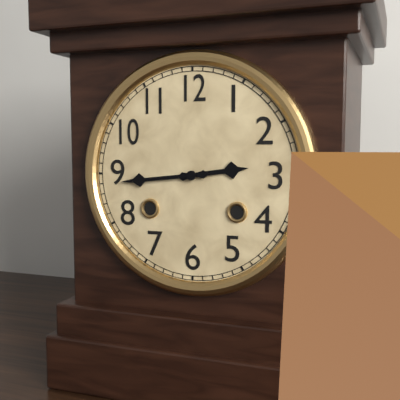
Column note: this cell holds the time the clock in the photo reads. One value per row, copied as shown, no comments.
2:44
